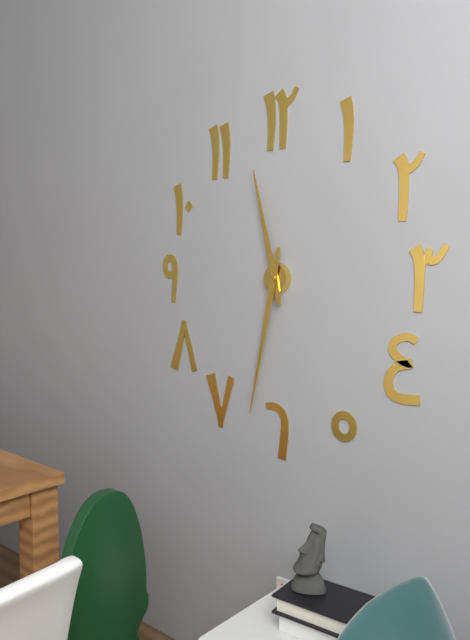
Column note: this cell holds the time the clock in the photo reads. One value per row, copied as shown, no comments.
11:32
